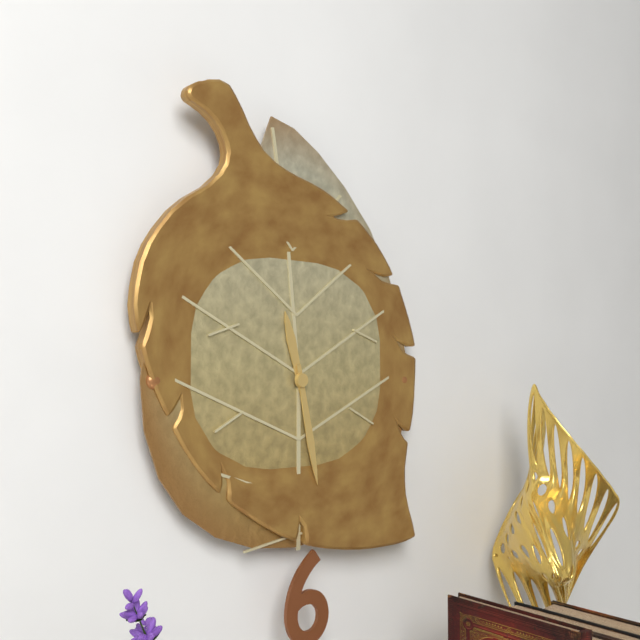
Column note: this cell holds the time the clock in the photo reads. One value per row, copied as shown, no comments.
11:28
